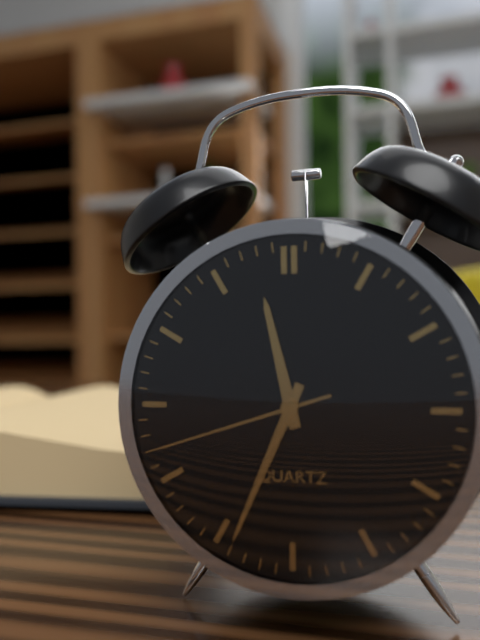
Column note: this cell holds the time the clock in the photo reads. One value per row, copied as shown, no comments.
11:34:42
